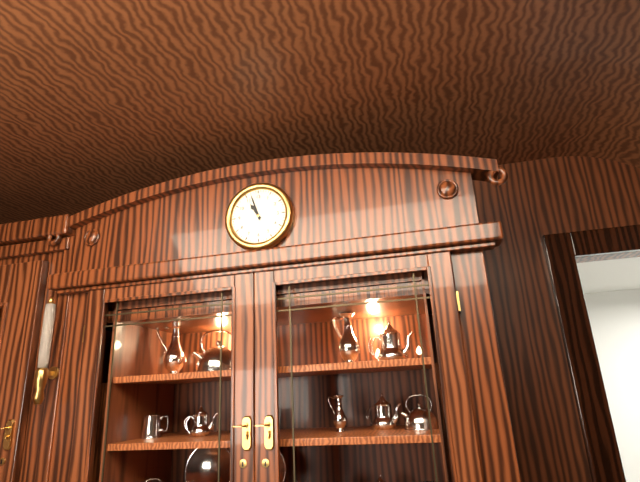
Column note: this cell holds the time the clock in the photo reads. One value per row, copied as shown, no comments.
10:57
